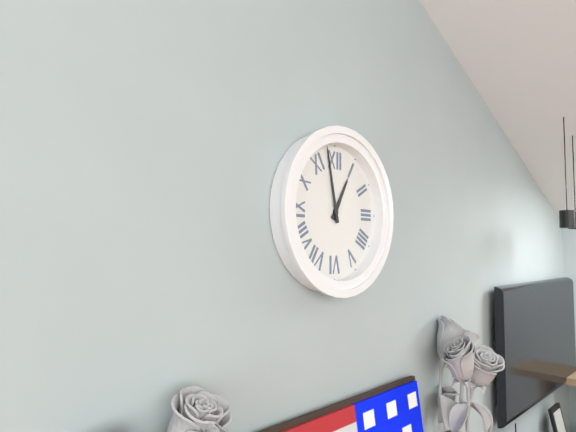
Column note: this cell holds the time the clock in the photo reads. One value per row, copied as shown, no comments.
12:58
